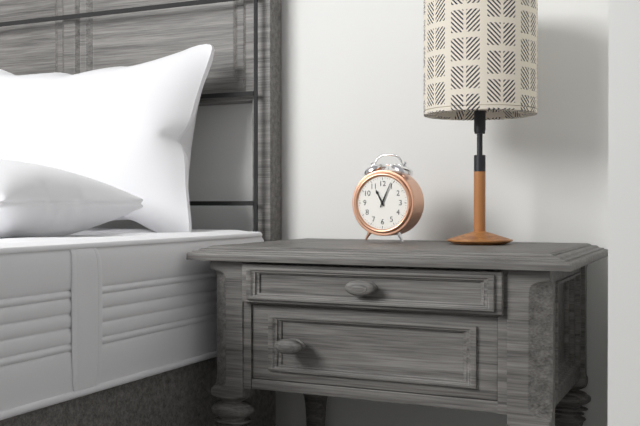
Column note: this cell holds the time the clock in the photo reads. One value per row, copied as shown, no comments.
11:04
